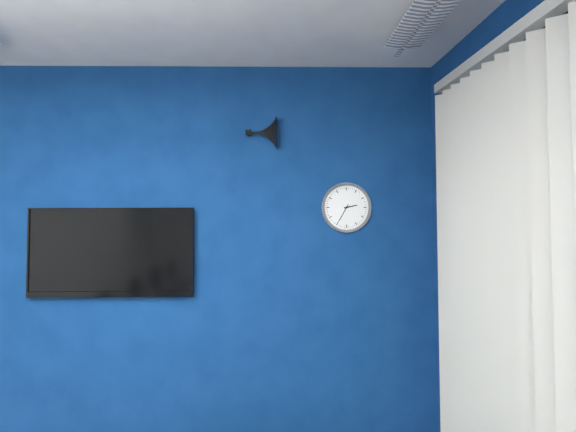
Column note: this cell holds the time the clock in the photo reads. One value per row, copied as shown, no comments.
2:35
